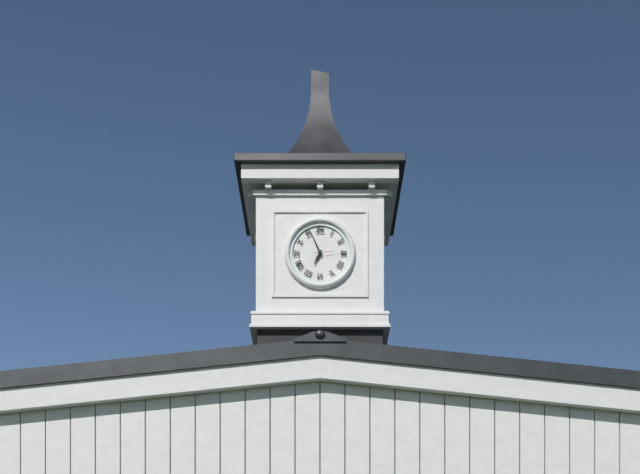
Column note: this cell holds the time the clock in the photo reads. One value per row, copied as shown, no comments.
6:56
